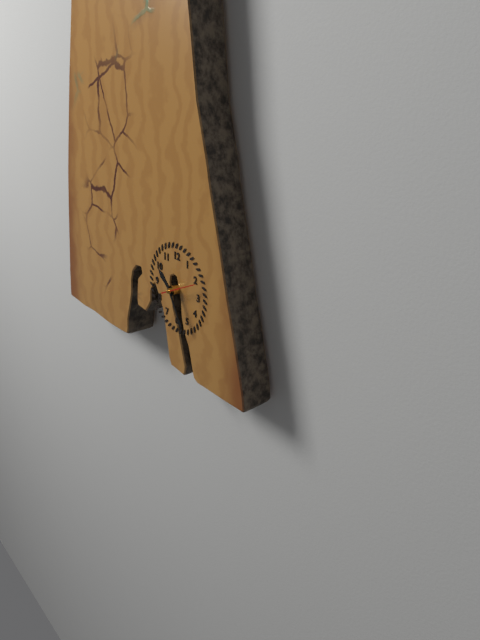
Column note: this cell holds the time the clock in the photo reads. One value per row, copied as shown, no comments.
10:25
